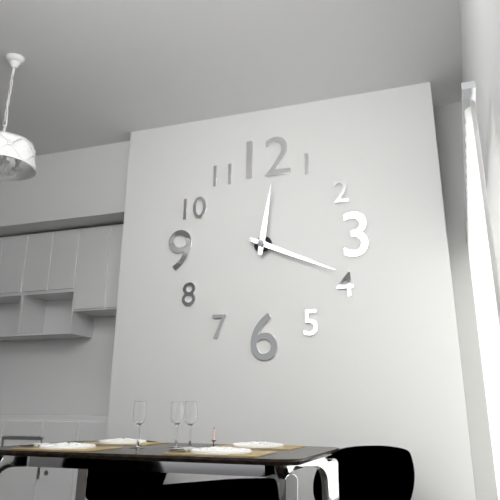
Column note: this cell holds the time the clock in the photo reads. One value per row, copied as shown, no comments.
12:19
